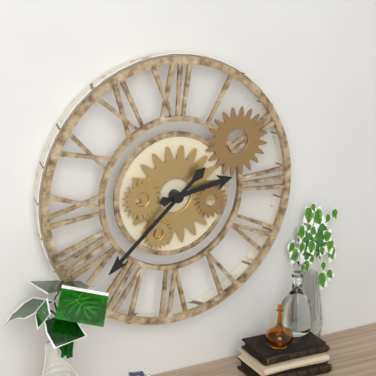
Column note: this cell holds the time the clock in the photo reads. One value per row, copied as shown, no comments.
2:38
